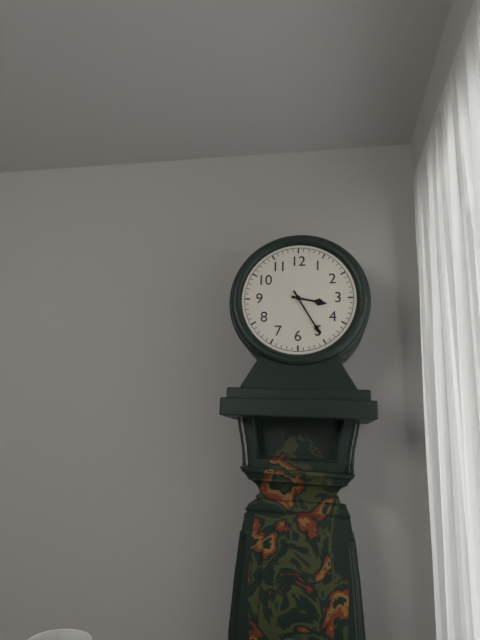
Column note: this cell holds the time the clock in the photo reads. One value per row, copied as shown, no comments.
3:25
